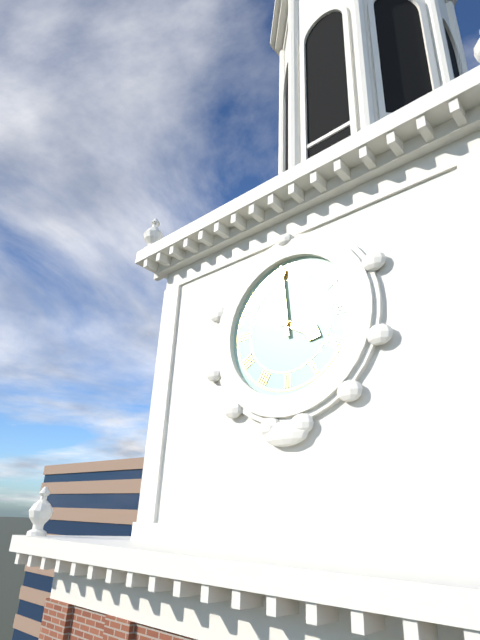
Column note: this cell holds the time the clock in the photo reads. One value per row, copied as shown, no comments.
3:59
